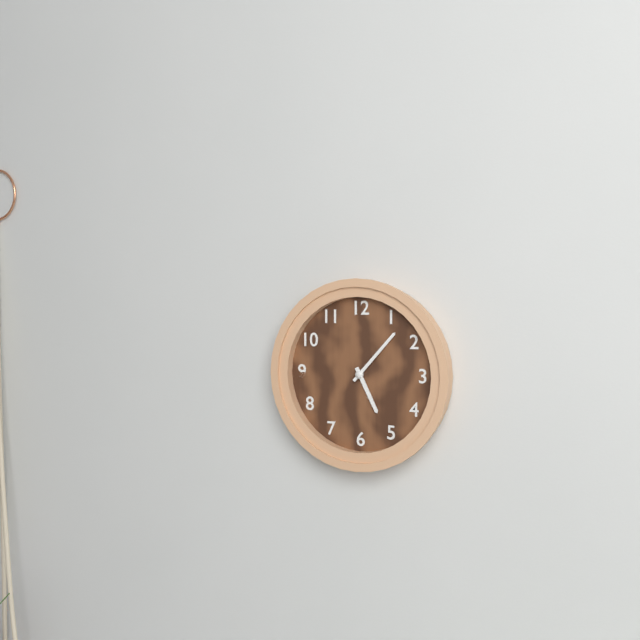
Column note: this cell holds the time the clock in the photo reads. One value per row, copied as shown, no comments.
5:07
